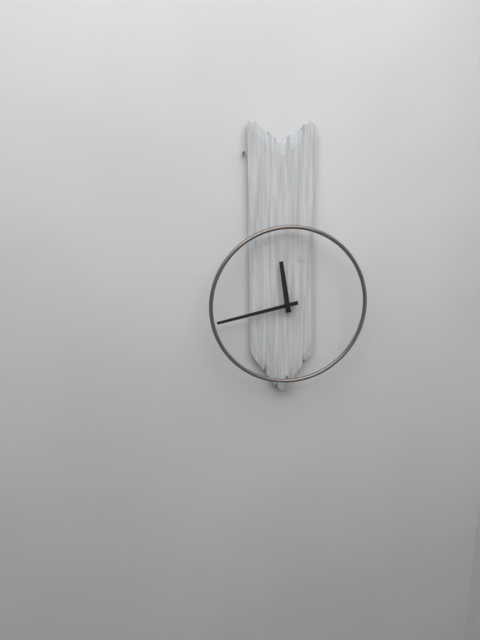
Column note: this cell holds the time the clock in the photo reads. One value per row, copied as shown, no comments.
11:43
